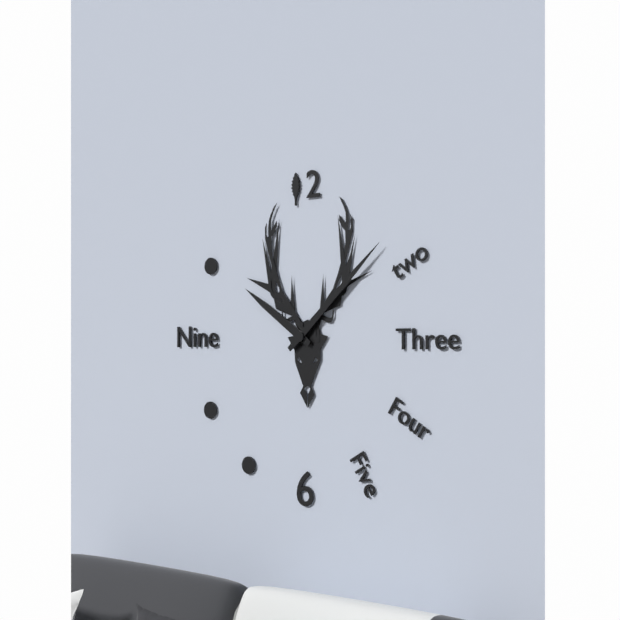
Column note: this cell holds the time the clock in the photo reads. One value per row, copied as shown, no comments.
10:08
